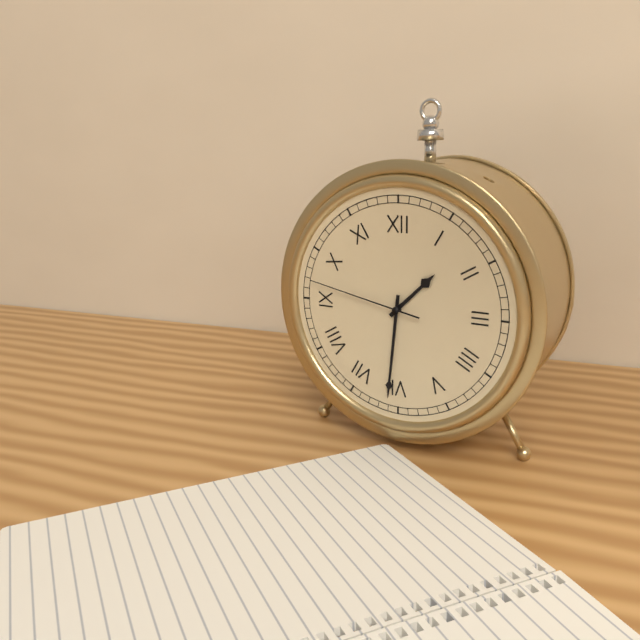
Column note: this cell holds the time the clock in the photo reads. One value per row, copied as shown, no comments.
1:31:47
